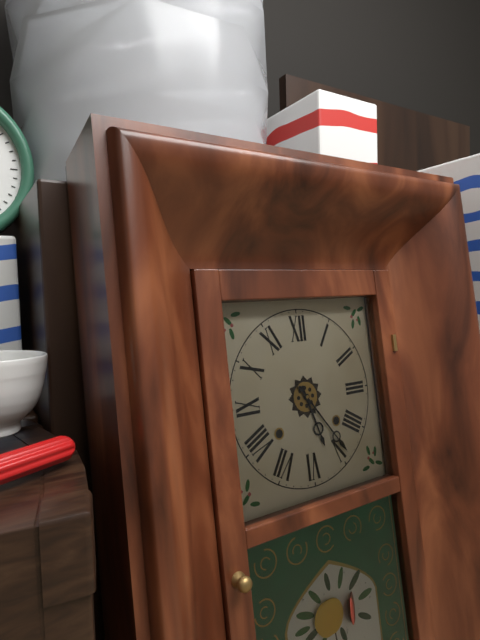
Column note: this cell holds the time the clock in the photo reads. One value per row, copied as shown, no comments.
5:24
